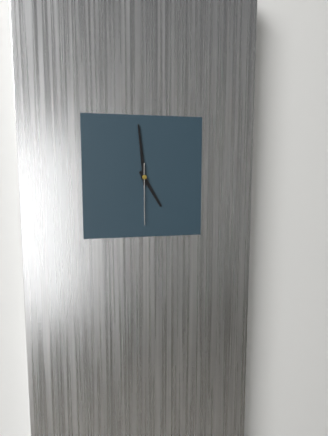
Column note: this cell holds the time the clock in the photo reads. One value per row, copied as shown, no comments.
4:59:30
